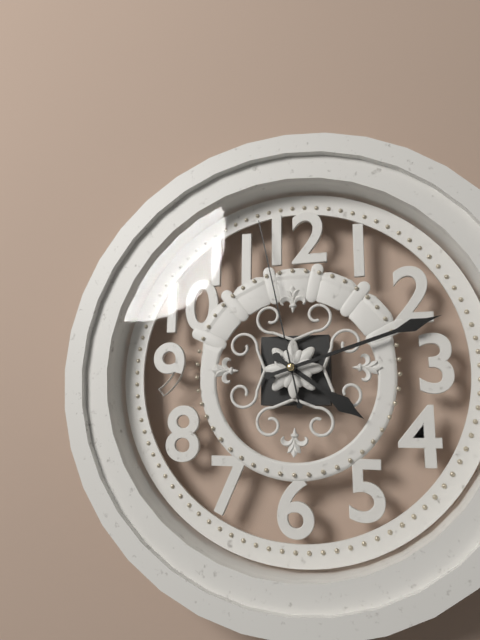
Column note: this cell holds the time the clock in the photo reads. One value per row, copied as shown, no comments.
4:12:58
